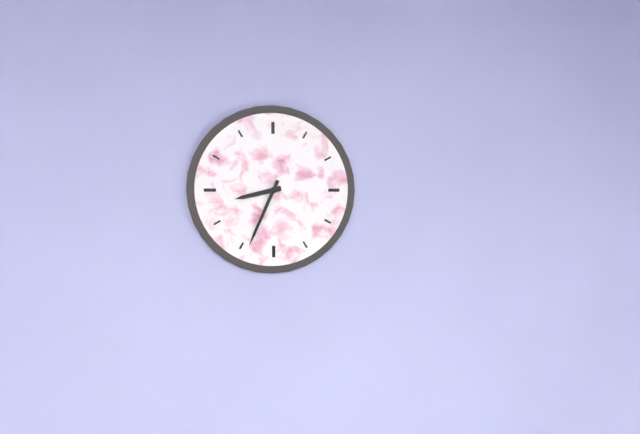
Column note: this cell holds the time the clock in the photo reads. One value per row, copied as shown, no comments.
8:34
